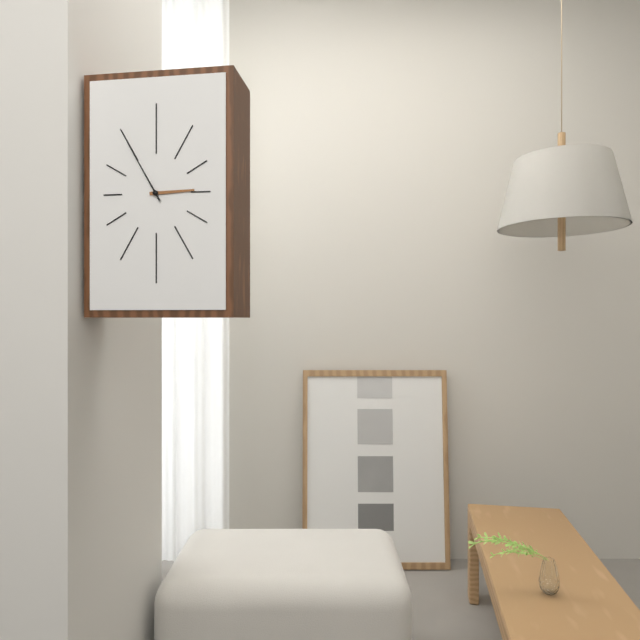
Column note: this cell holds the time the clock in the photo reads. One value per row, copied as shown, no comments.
2:55
